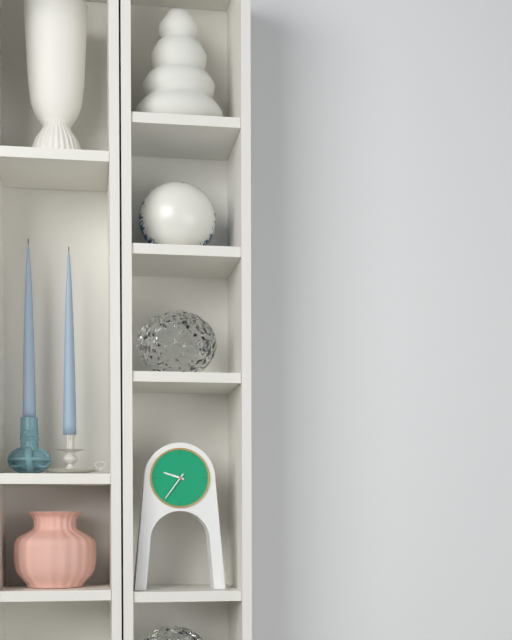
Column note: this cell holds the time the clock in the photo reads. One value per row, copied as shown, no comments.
9:36
